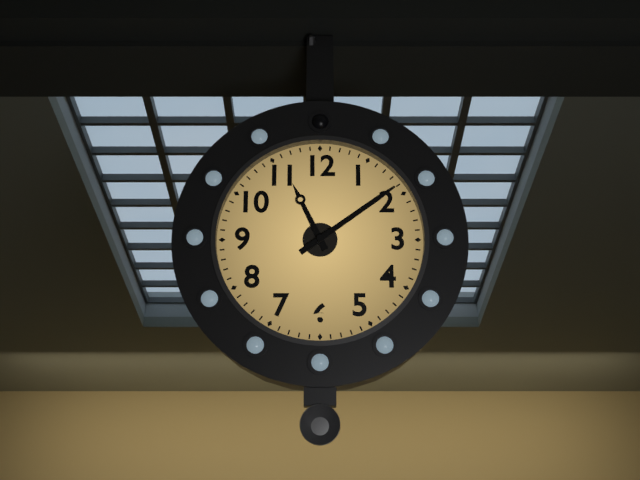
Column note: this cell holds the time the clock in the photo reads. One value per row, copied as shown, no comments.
11:09
